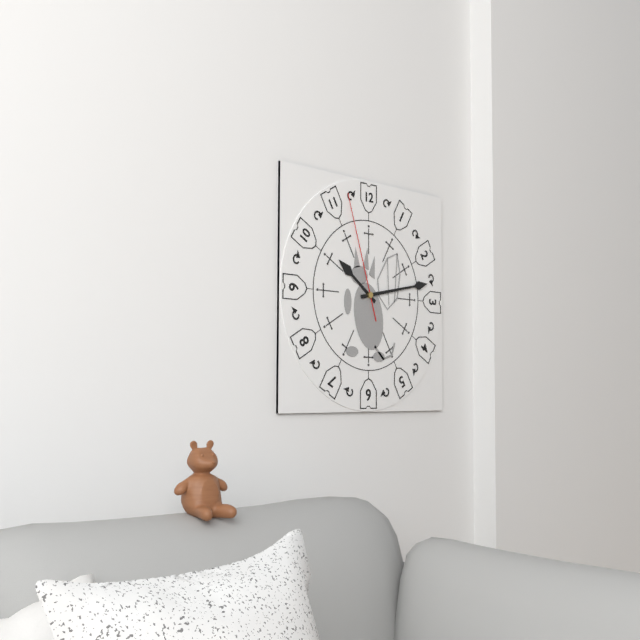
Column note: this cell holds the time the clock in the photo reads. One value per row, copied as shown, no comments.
10:13:57
